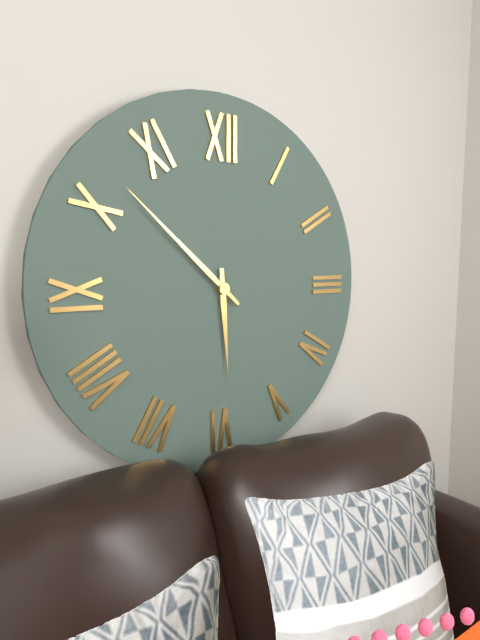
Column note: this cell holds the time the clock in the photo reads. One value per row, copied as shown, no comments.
5:52
